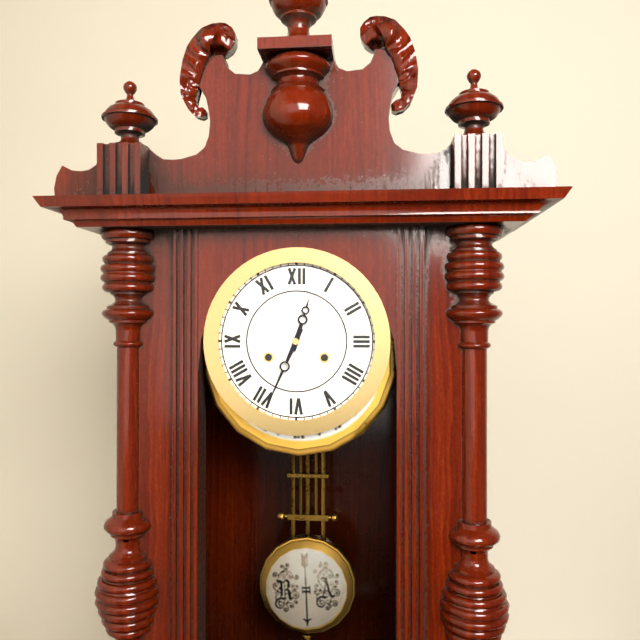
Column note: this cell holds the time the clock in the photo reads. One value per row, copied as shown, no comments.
12:34
